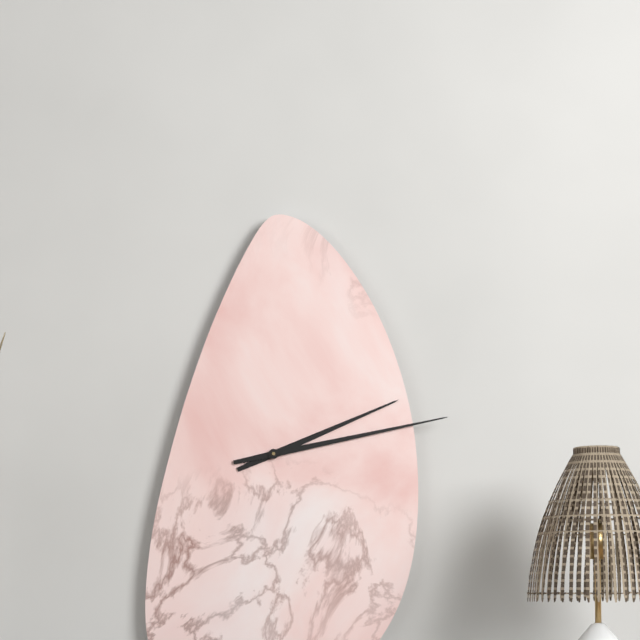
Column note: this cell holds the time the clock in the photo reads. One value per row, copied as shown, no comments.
2:13
